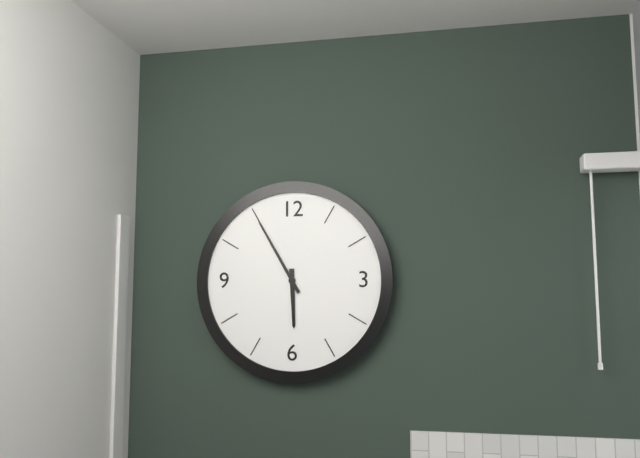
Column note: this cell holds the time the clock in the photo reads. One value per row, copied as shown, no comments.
5:55
